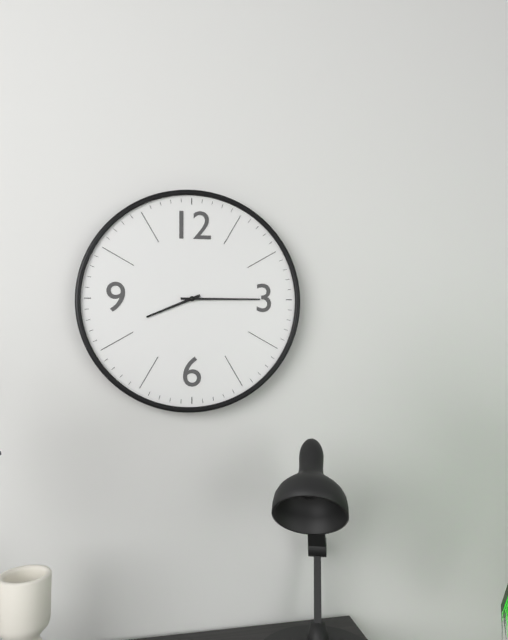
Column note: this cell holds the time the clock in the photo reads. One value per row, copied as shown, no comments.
8:15
